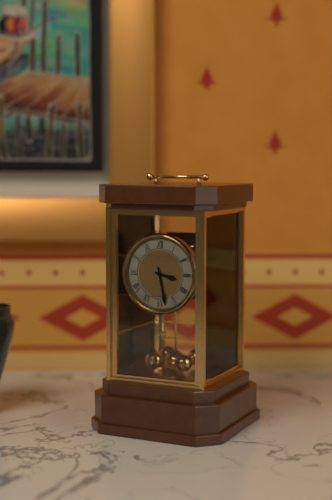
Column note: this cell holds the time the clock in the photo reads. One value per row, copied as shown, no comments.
3:28
